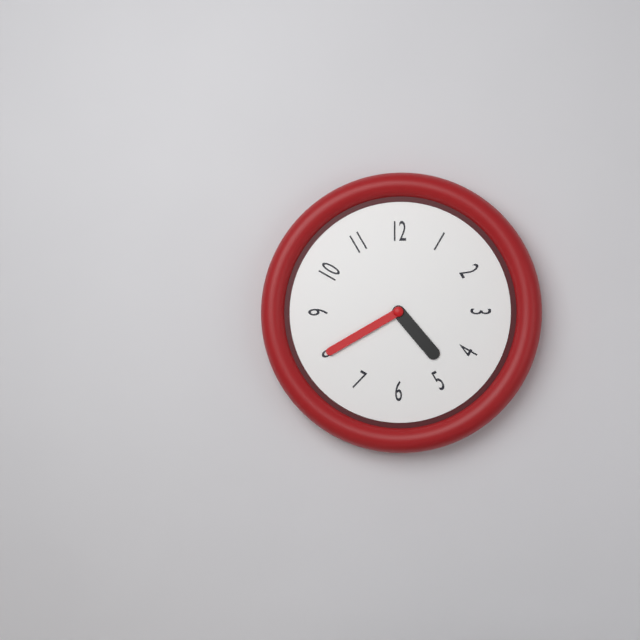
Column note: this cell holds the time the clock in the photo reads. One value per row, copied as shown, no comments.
4:40
